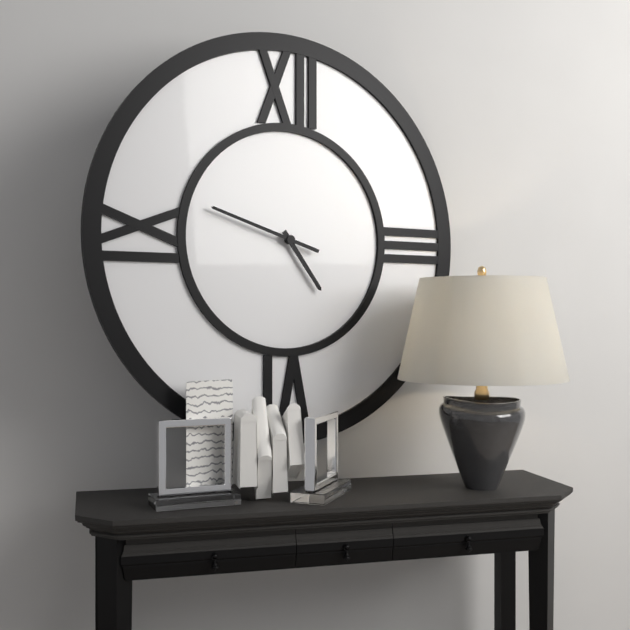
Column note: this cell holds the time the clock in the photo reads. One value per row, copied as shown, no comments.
4:48
